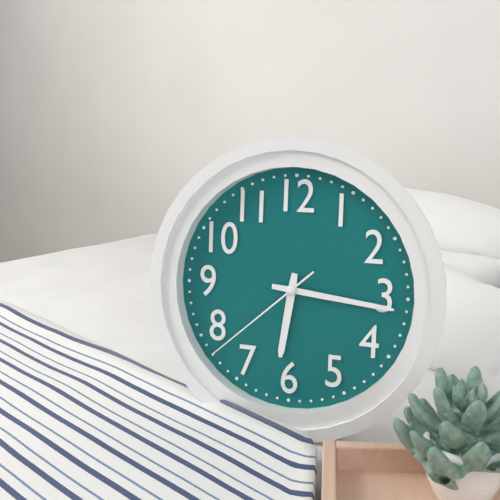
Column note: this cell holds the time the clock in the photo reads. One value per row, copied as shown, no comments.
6:16:38
